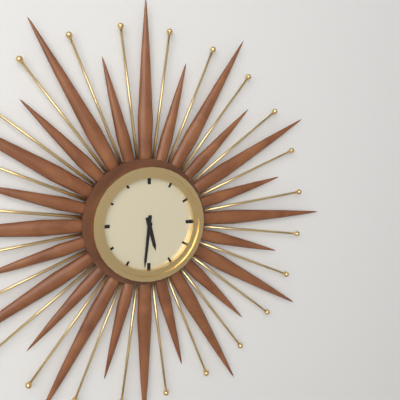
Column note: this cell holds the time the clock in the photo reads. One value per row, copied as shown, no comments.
5:31
